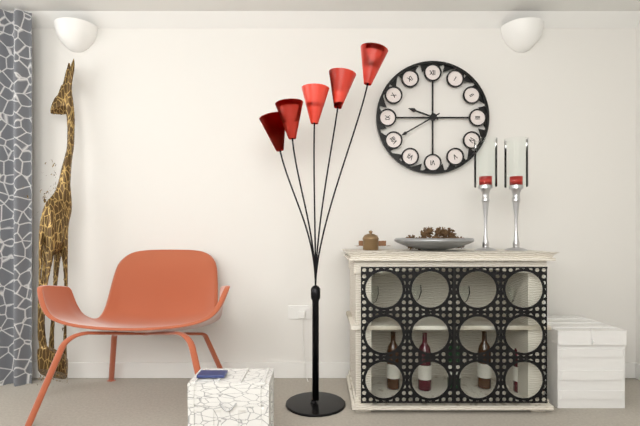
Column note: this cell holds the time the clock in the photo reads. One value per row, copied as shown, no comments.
9:40
